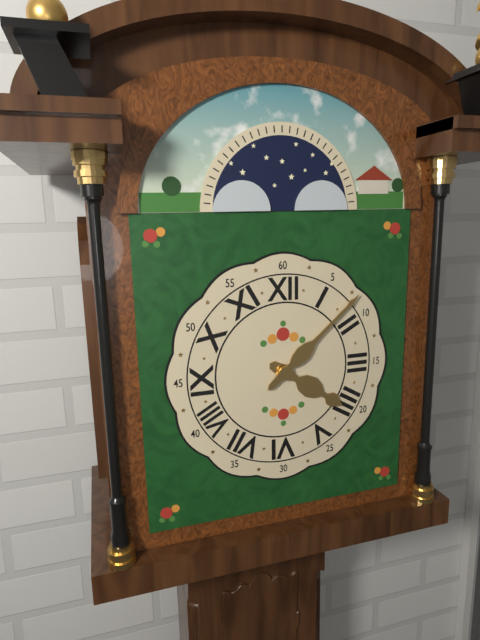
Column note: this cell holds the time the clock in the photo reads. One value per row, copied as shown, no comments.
4:08
